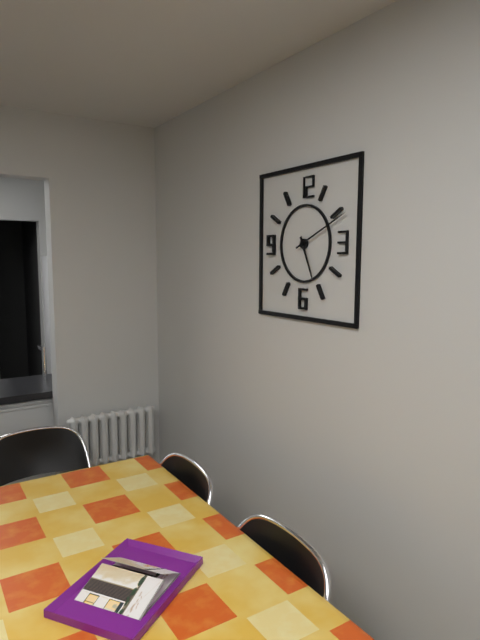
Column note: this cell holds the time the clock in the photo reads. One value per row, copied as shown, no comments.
5:11
